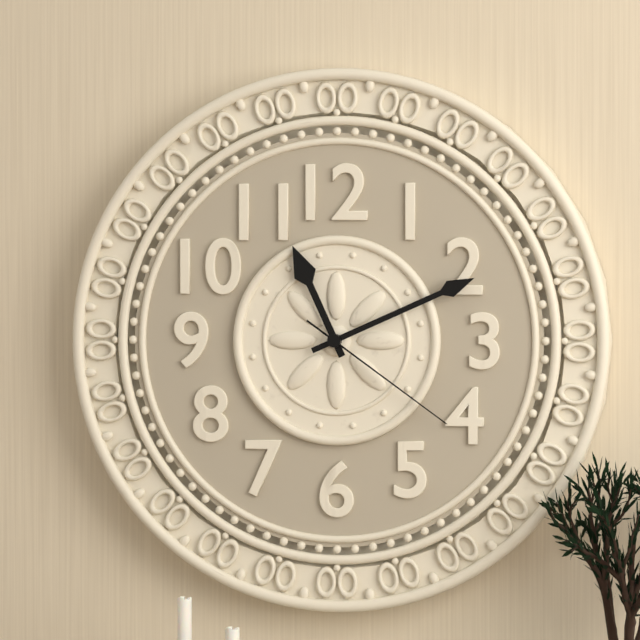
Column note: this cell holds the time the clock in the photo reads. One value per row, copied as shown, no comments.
11:11:21
